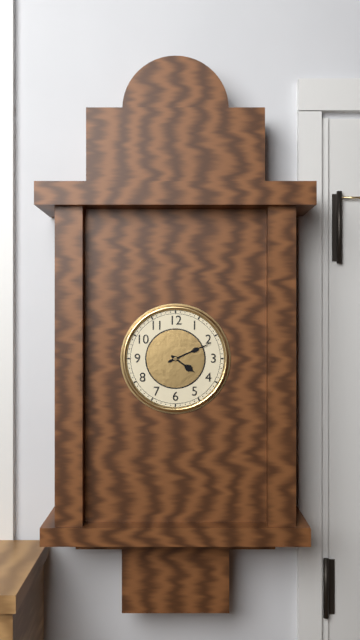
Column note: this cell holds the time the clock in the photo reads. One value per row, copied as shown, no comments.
4:11
